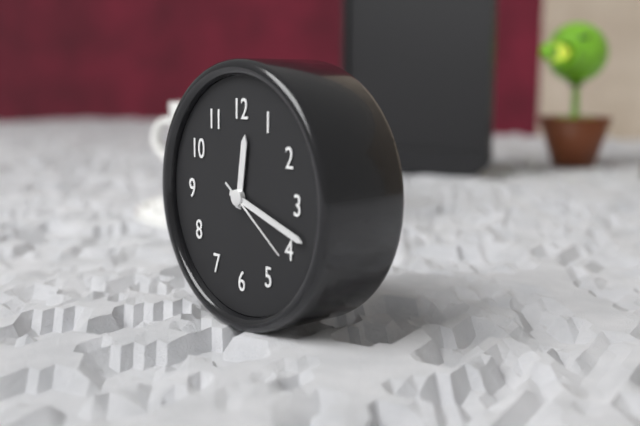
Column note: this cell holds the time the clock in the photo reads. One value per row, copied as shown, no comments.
12:18:21
